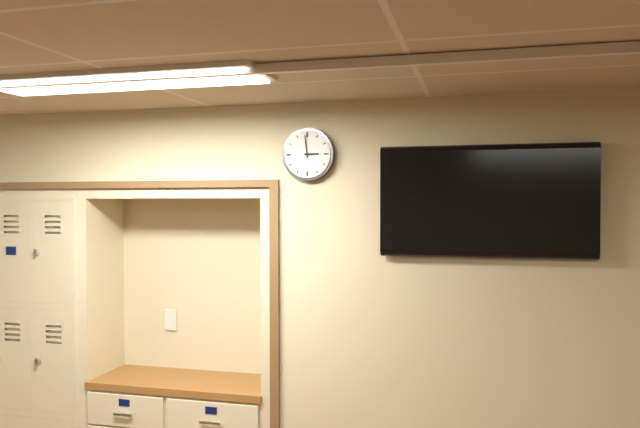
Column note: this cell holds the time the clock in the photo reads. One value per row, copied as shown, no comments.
2:59
